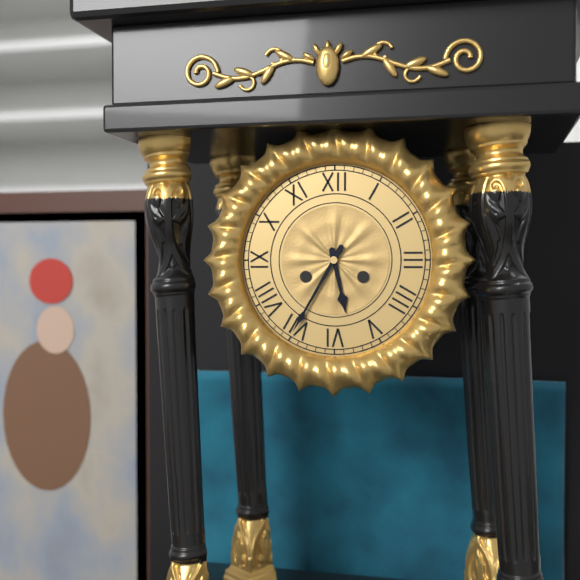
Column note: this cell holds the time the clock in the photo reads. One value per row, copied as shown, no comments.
5:35
